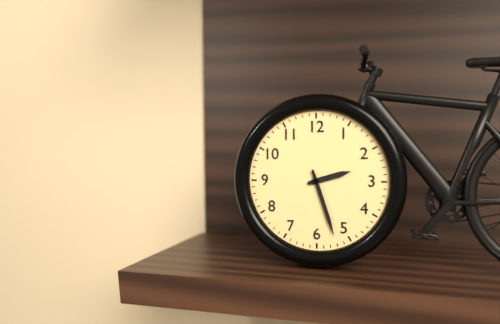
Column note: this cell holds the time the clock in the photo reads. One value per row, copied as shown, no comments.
2:27
